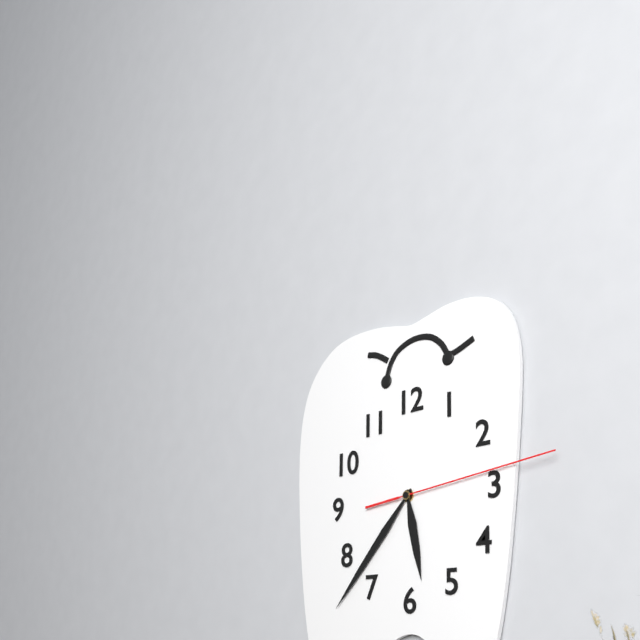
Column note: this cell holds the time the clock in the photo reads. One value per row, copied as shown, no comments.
5:37:14
